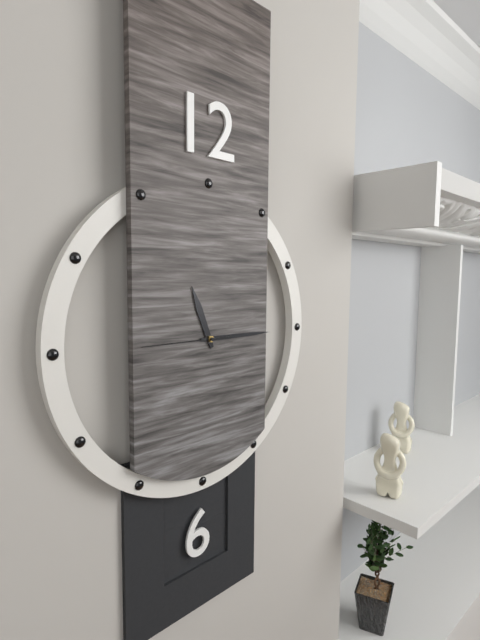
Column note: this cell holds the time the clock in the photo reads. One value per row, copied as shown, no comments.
11:15:45
